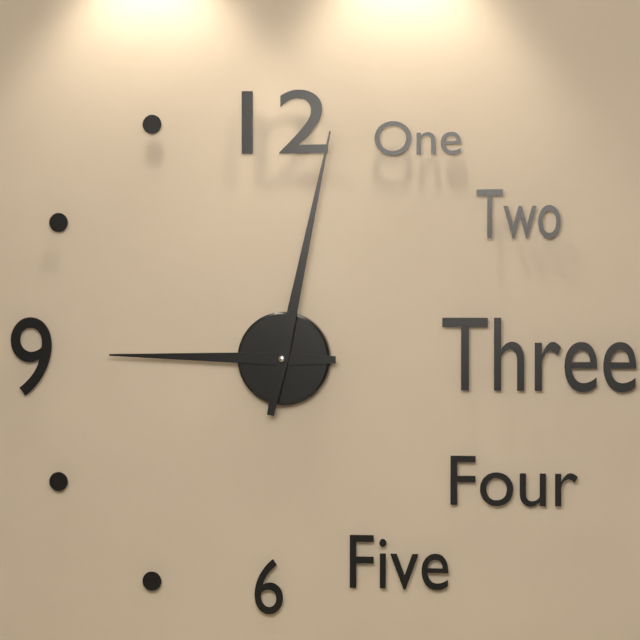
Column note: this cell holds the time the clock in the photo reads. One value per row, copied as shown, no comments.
9:02
